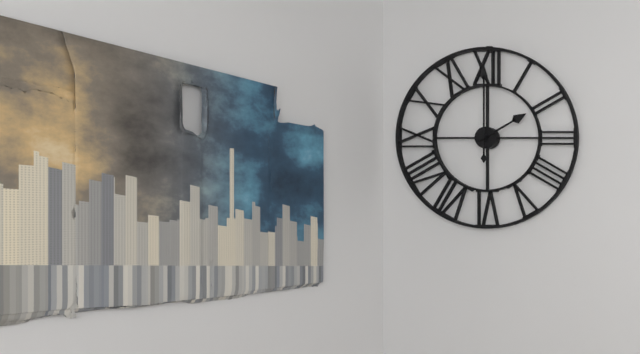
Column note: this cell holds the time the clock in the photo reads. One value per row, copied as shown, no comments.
2:00
